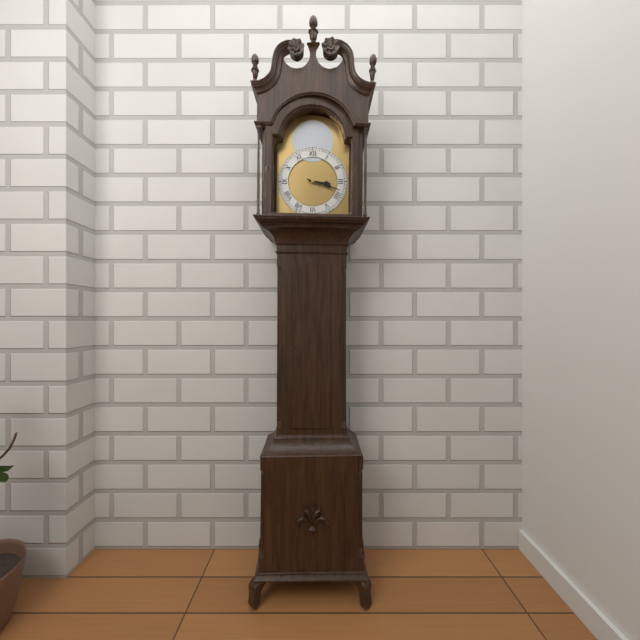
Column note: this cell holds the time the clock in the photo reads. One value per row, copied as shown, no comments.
3:18
